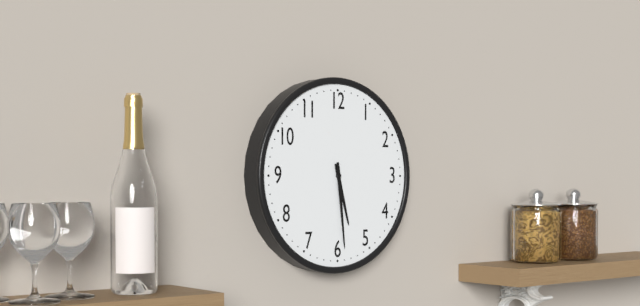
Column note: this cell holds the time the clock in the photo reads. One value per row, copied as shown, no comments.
5:29
